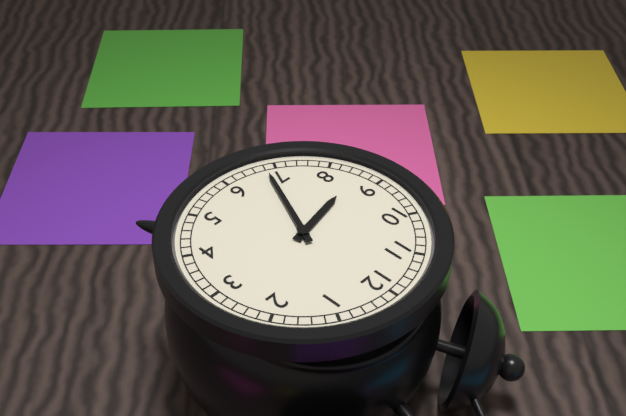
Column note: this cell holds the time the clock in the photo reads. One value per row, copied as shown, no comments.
8:34
